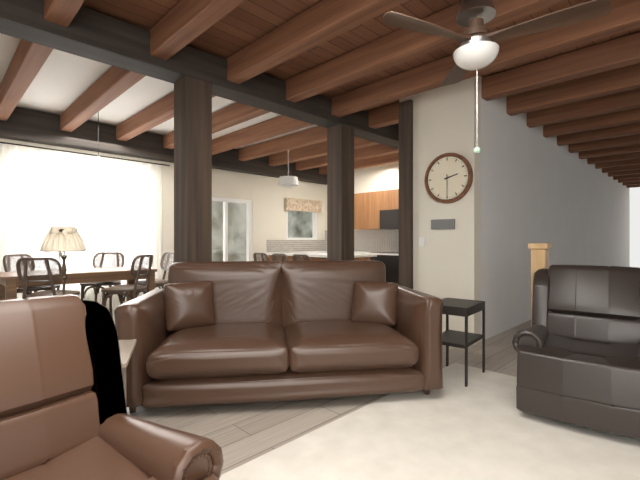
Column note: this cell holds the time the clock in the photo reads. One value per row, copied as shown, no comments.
2:30
